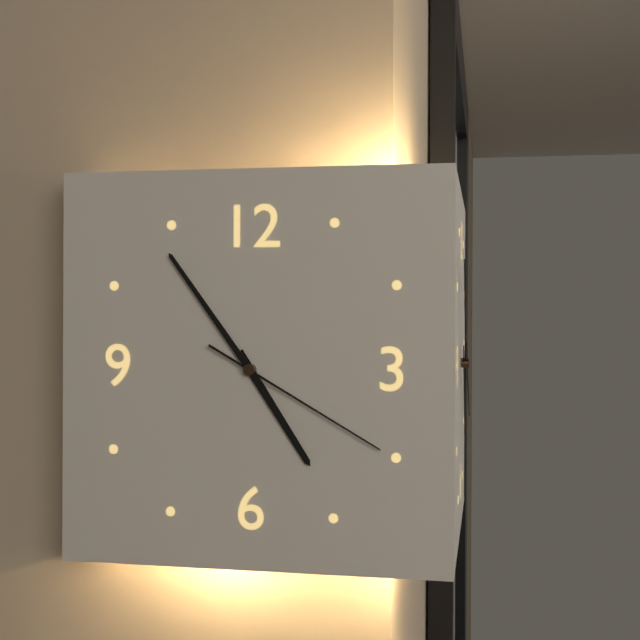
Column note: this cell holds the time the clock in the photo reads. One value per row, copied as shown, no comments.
4:54:20
